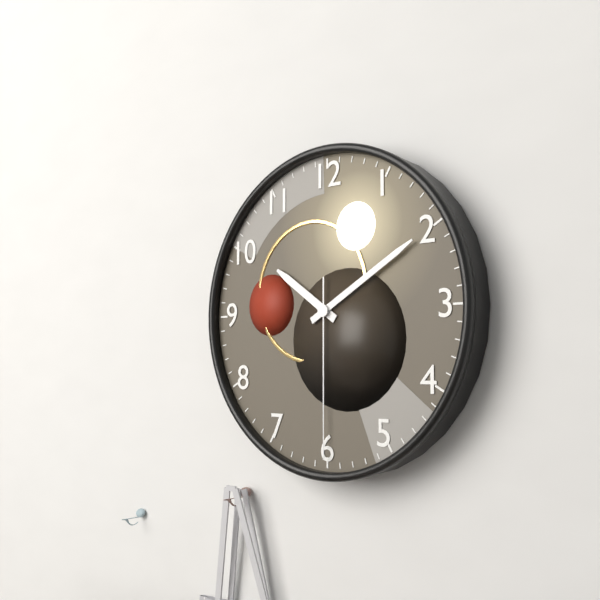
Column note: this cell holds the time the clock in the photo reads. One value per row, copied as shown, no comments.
10:10:30
